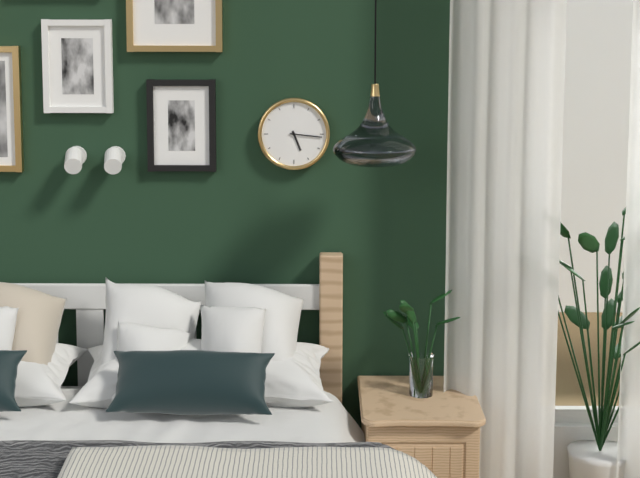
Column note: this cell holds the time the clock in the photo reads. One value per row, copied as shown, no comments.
5:16
